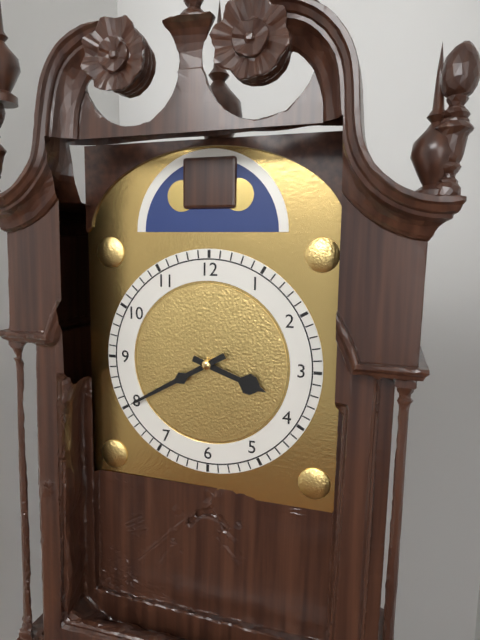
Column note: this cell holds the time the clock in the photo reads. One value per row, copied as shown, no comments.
3:40
